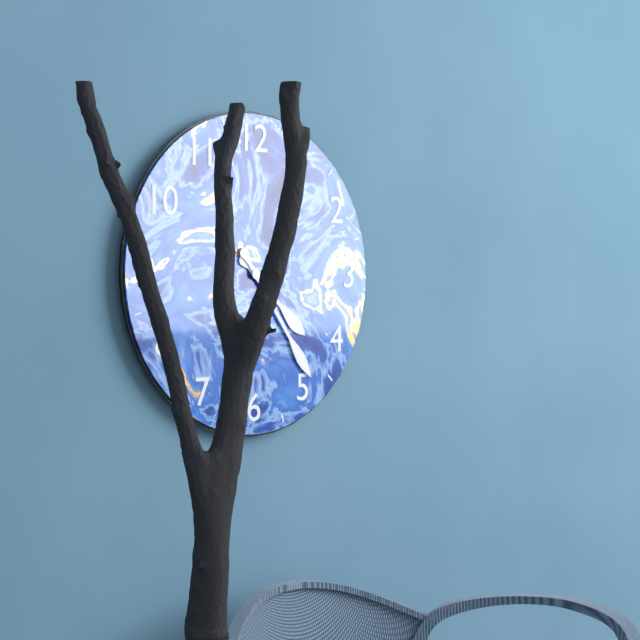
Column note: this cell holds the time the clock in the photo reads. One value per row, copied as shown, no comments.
4:24
